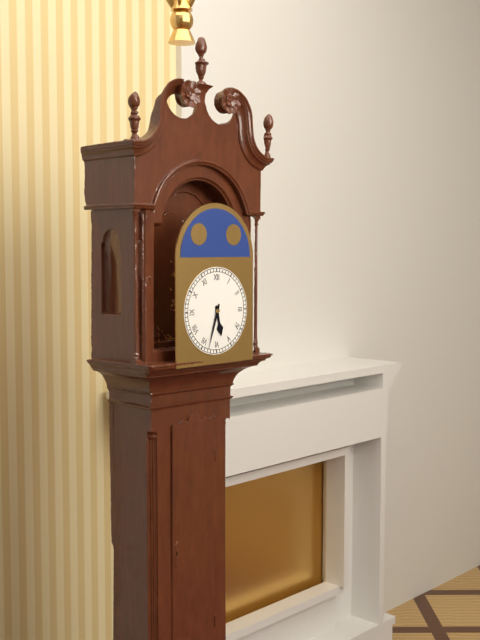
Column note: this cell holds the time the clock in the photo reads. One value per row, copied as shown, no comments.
5:33
